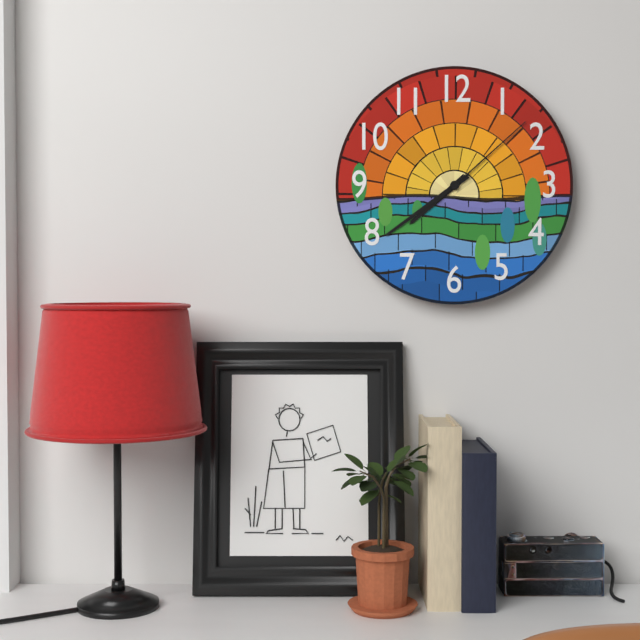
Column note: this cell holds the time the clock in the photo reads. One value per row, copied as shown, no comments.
7:39:08
